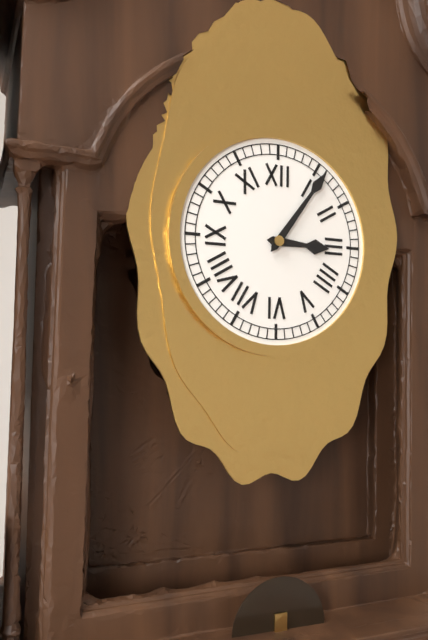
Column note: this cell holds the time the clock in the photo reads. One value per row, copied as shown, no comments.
3:06
